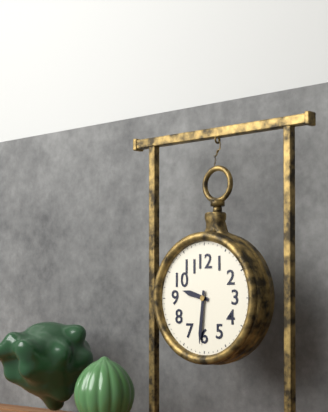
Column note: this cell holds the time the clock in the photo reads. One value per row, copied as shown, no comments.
9:31
